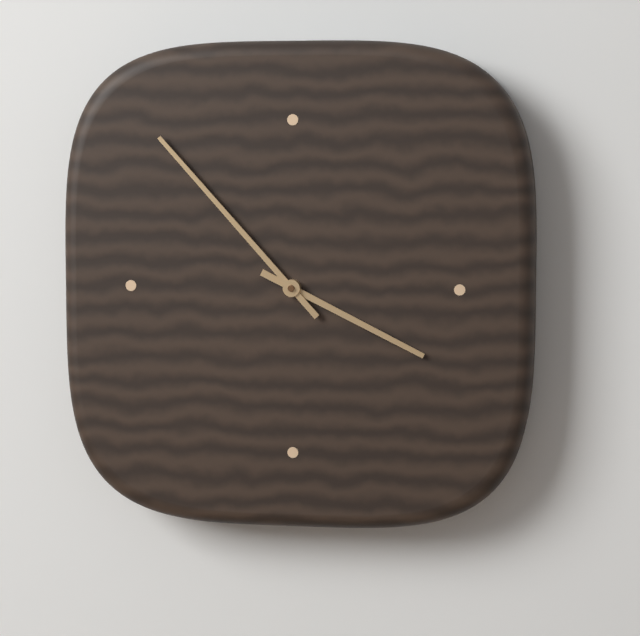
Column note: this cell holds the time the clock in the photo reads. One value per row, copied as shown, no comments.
3:53
